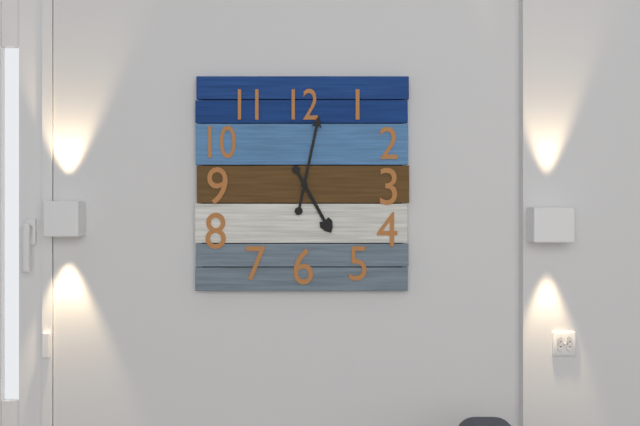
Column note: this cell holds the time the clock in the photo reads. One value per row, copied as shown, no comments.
5:02
